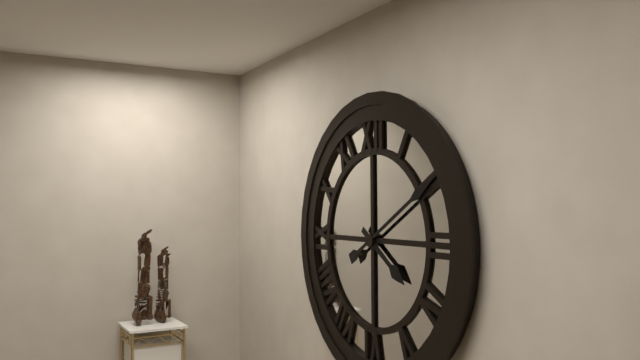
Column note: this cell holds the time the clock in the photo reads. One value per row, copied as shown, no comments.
4:10
